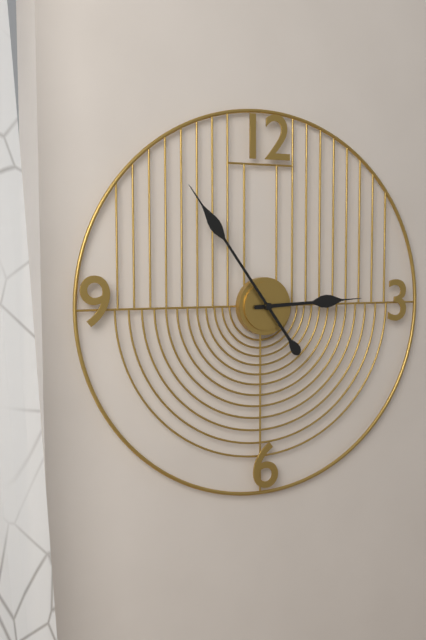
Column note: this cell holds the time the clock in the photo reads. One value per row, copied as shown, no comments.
2:54
